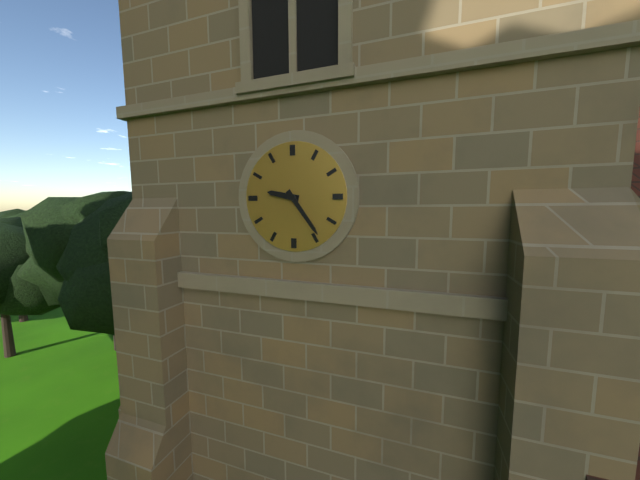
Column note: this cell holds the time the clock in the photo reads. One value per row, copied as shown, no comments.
9:24
